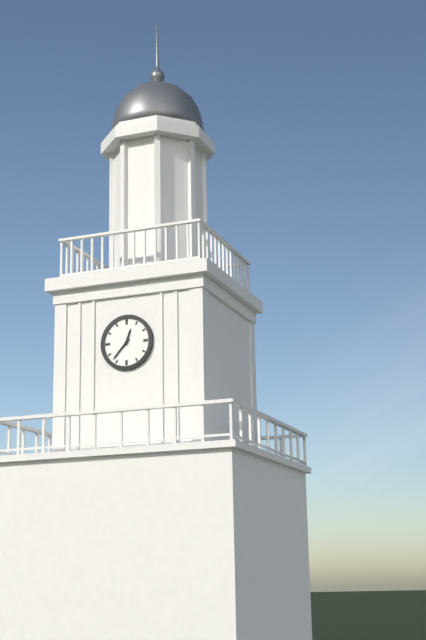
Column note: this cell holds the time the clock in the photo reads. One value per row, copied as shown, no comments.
12:37
